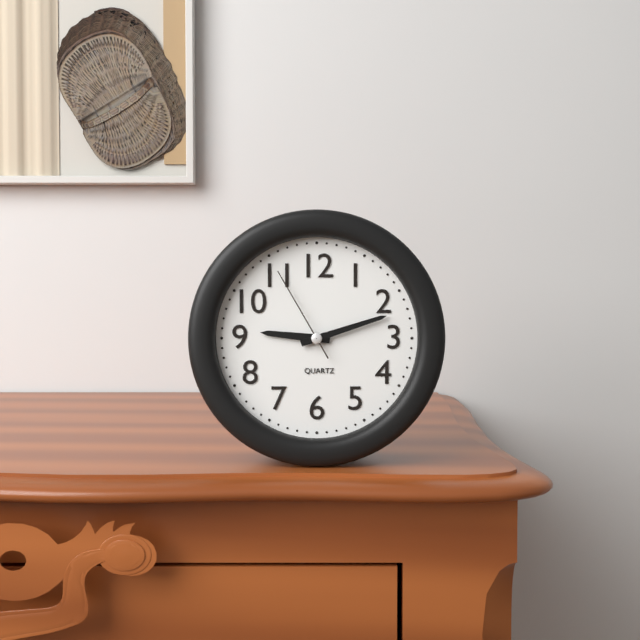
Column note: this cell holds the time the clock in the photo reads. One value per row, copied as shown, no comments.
9:12:55
